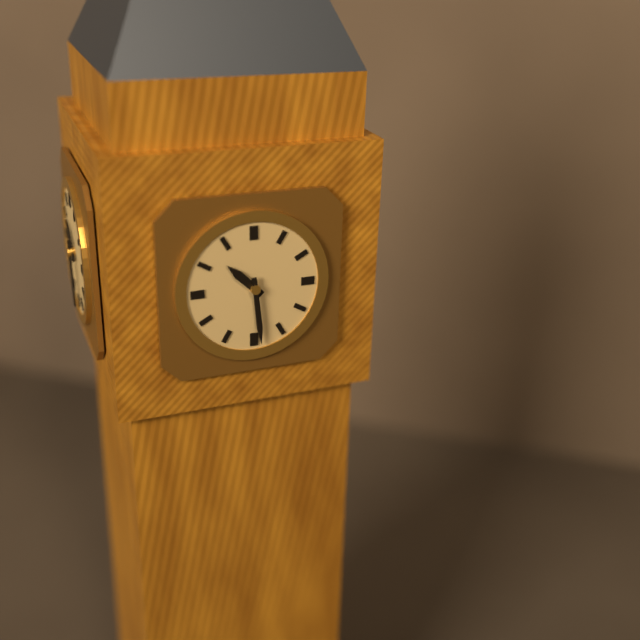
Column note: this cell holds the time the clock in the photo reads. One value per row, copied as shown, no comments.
10:29
